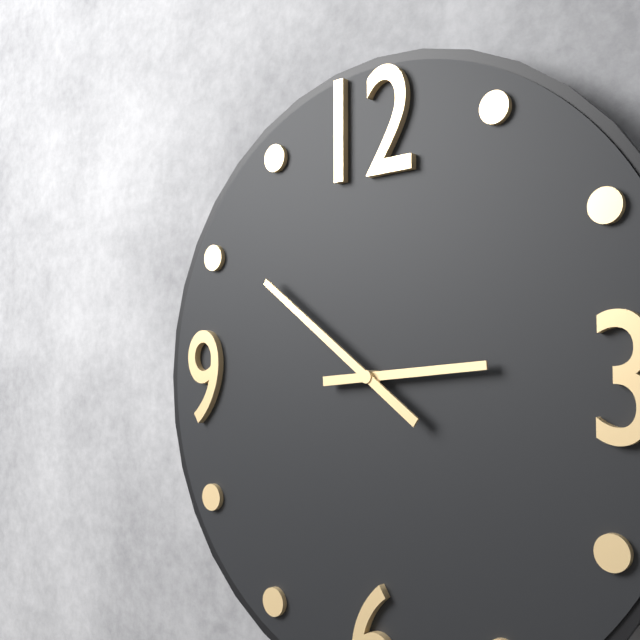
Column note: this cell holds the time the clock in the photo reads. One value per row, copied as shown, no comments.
2:51
